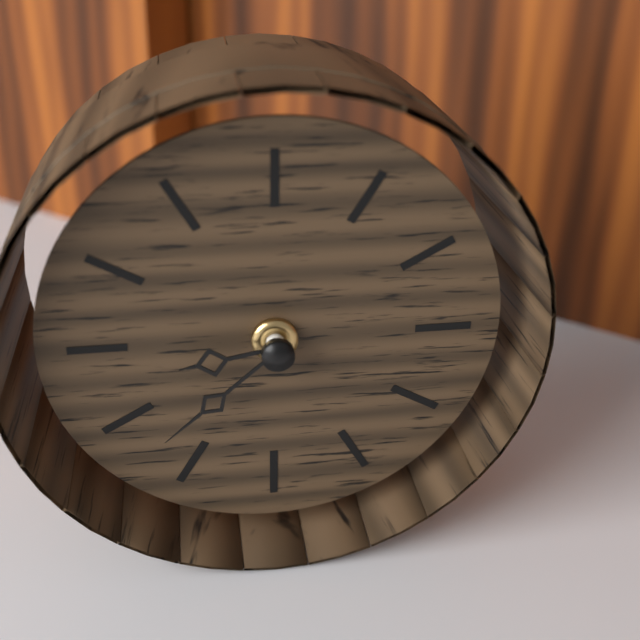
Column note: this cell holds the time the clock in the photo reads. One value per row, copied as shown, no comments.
8:38
